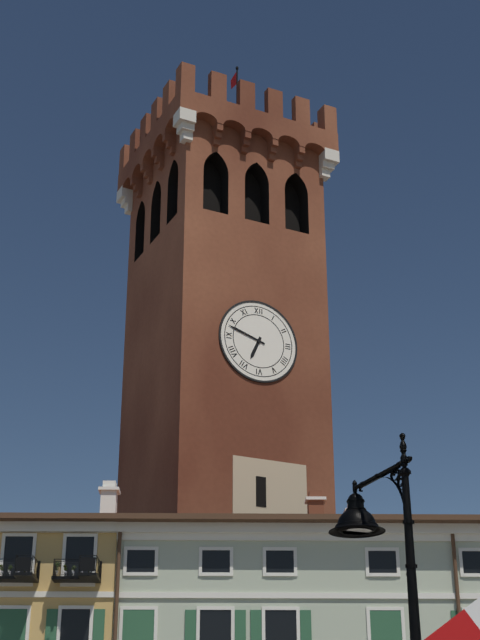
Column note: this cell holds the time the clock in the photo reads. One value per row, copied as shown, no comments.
6:48
